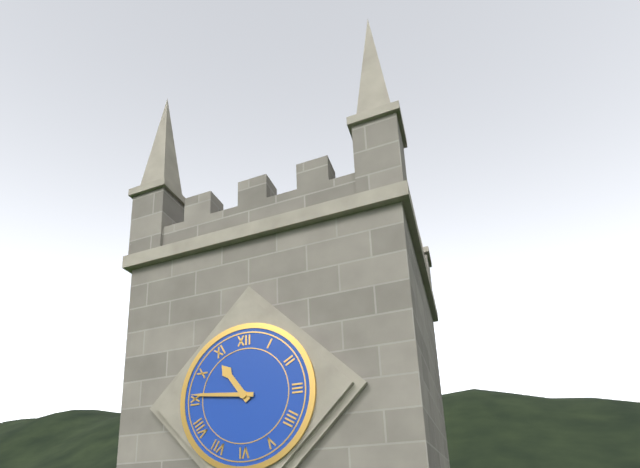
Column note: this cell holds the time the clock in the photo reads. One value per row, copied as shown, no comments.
10:46
